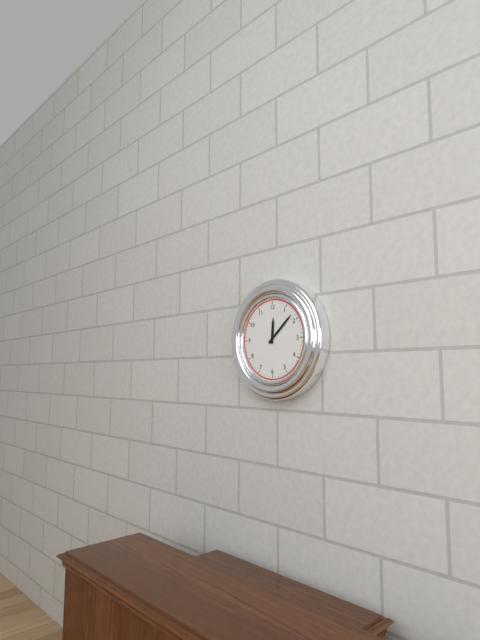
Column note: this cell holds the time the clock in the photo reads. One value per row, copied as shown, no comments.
12:08
